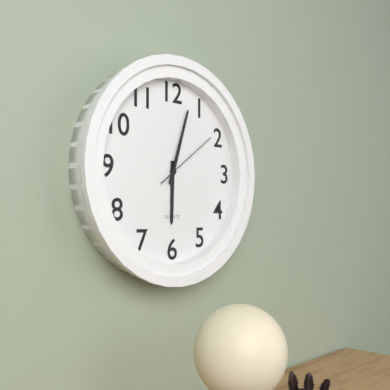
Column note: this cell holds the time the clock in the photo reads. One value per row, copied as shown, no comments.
6:03:09
